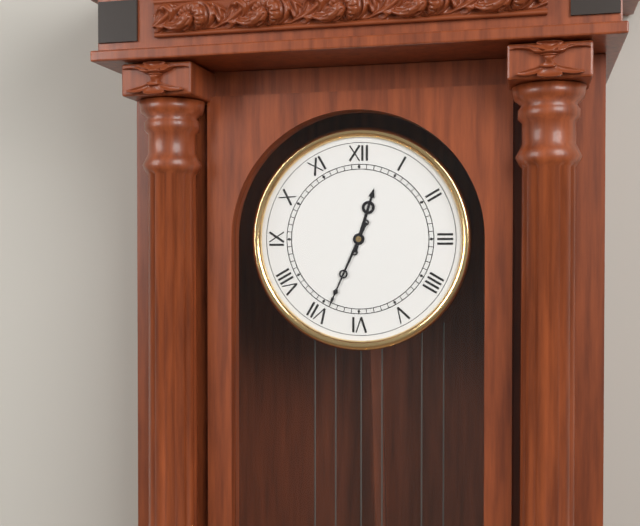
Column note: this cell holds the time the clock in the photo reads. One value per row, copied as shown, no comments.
12:34
